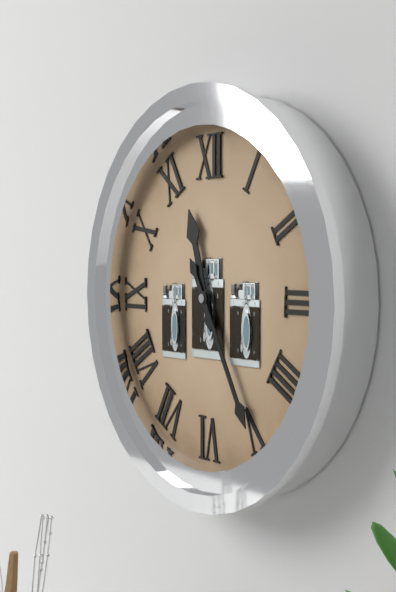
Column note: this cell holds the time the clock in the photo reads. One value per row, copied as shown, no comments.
11:25
